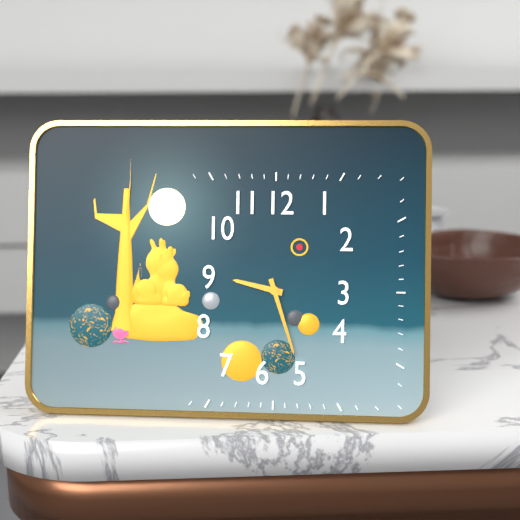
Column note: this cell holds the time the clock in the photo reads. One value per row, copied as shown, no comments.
9:27
